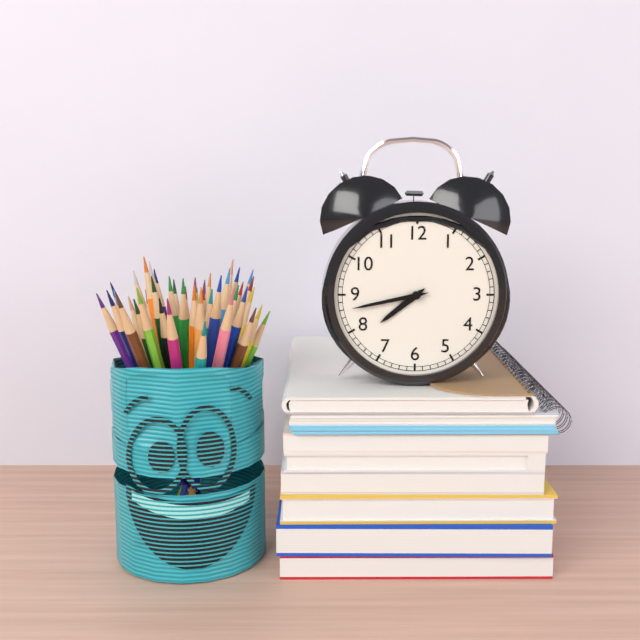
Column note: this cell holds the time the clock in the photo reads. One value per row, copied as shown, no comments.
7:43
